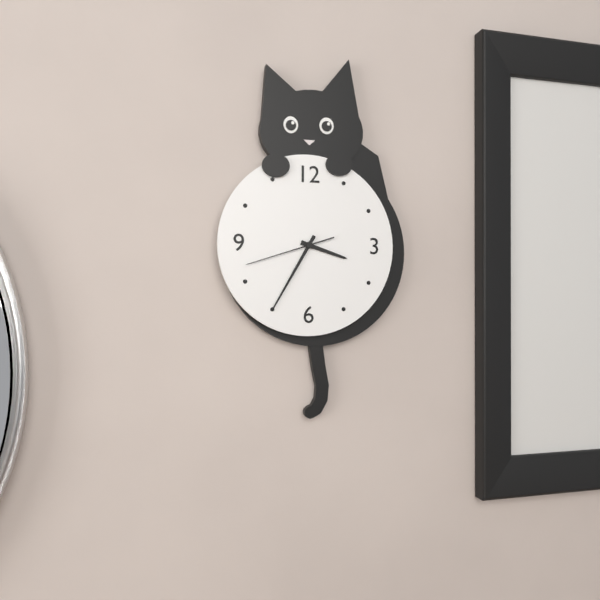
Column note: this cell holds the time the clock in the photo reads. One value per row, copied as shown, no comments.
3:35:42
